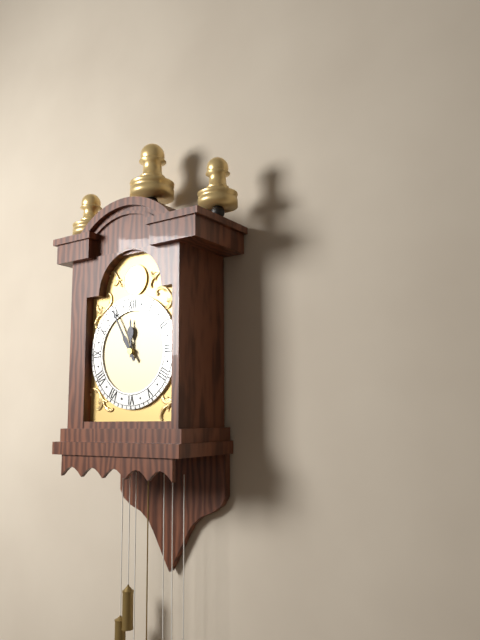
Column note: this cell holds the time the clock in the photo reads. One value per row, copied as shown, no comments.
11:55
